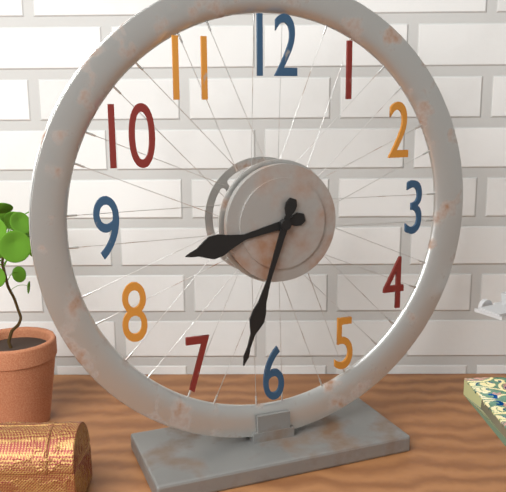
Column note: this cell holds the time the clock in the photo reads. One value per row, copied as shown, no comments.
8:33
